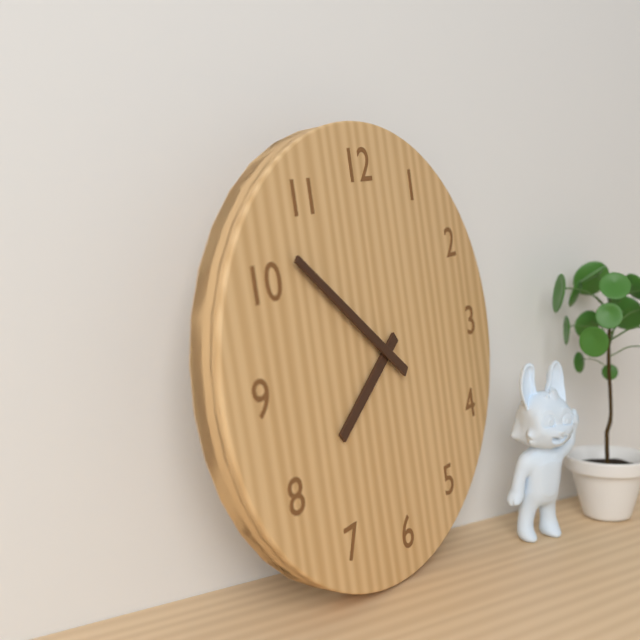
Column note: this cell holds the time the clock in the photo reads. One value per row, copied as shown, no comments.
7:52
